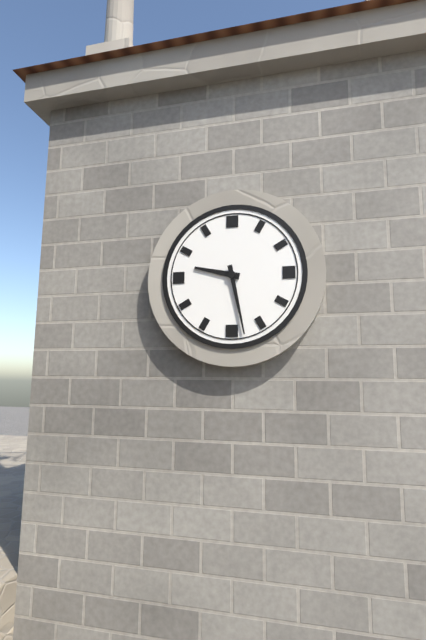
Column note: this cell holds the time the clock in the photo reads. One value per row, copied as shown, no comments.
9:28
